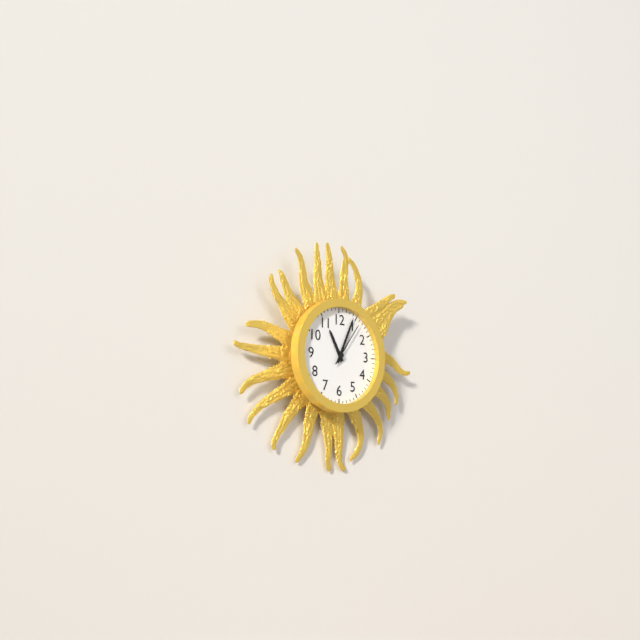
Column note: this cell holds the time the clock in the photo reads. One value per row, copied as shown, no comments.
11:04
